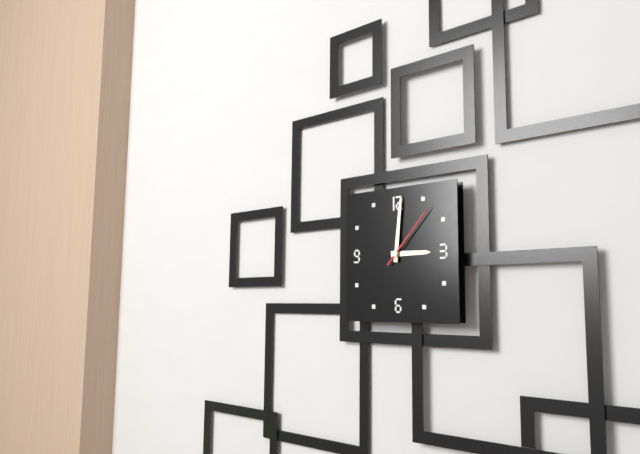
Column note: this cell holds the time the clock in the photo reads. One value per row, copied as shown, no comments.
3:01:07
